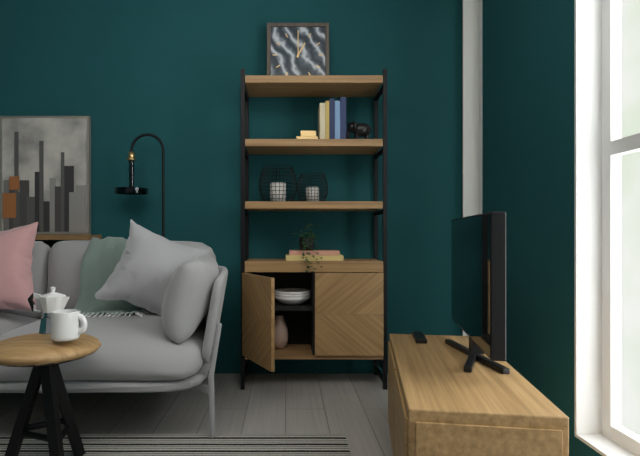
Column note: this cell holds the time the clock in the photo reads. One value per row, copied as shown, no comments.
1:00
